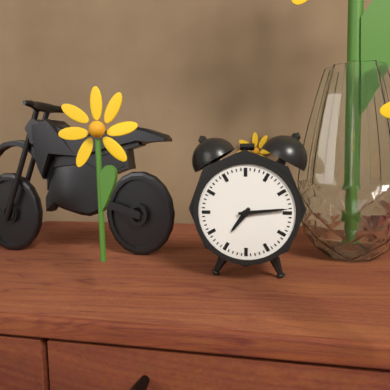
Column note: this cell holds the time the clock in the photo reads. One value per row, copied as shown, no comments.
7:14
